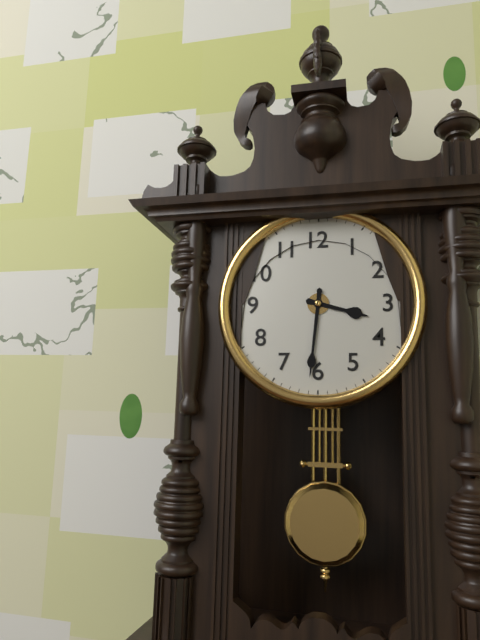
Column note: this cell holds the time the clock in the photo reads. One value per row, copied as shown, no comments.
3:31
